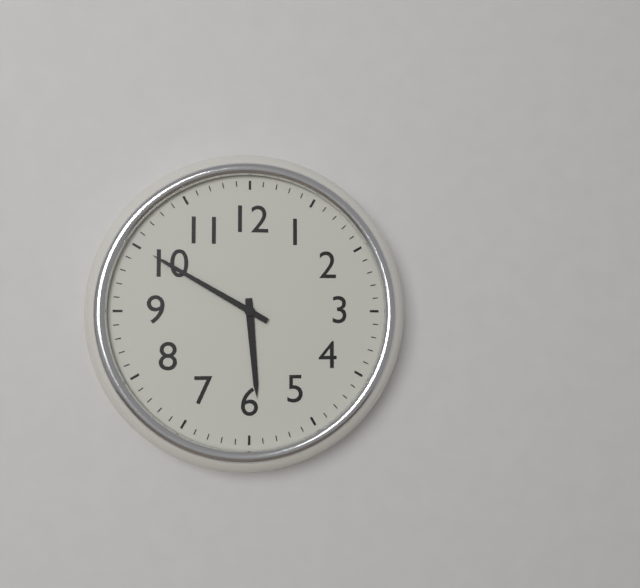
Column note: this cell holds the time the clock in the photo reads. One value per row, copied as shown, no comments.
5:50
